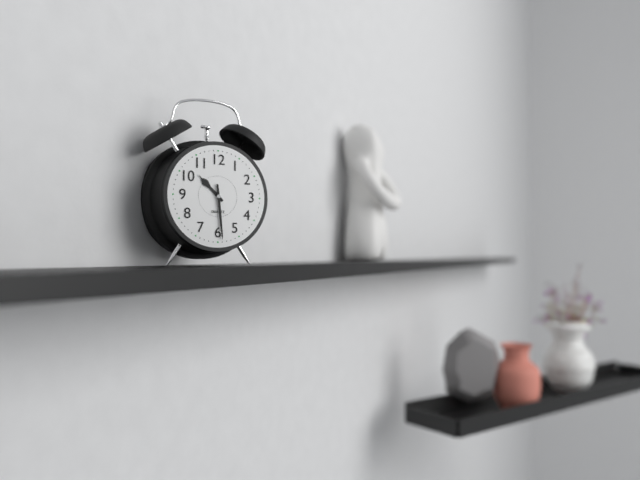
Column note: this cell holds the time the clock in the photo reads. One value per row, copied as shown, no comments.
10:29
